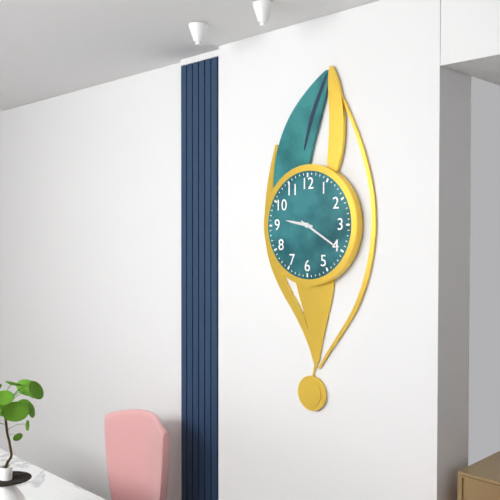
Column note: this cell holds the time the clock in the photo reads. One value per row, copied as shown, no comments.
9:20
